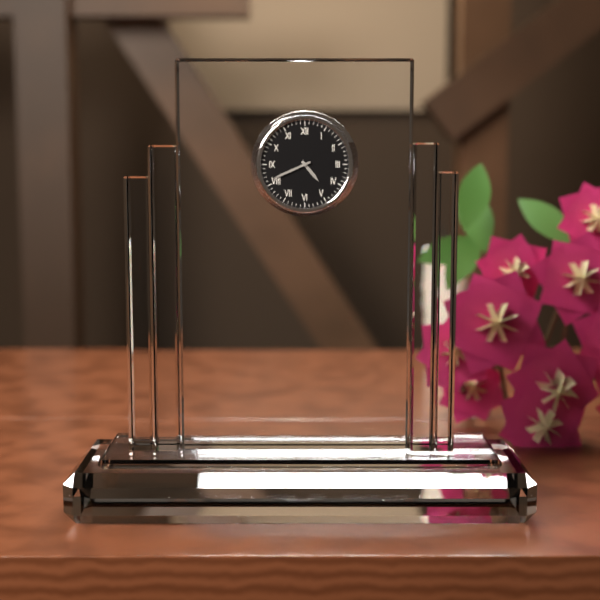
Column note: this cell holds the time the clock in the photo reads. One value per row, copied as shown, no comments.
4:41
